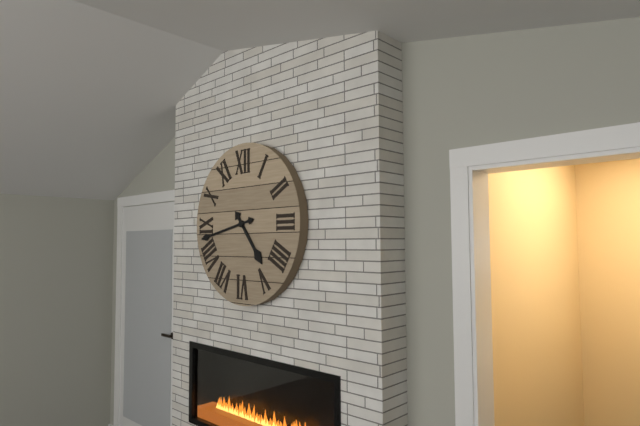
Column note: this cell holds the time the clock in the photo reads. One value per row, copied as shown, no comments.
4:43
